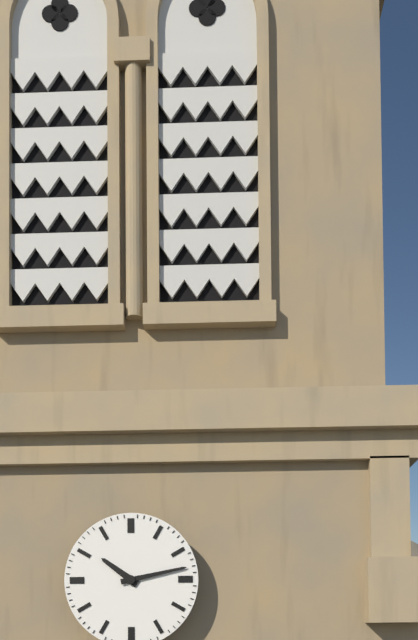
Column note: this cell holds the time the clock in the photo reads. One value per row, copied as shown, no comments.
10:13
